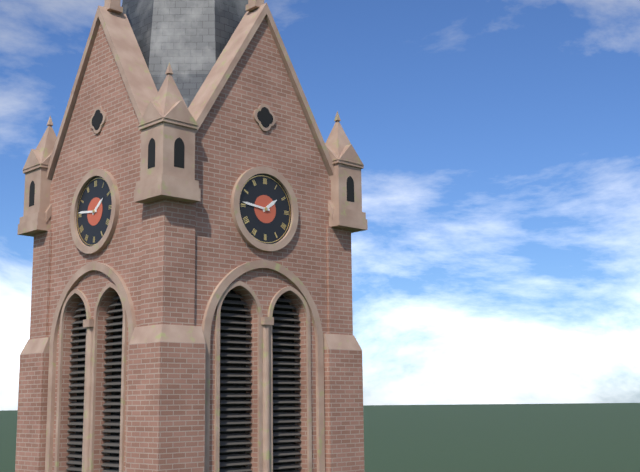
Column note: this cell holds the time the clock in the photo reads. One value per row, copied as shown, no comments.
1:46
